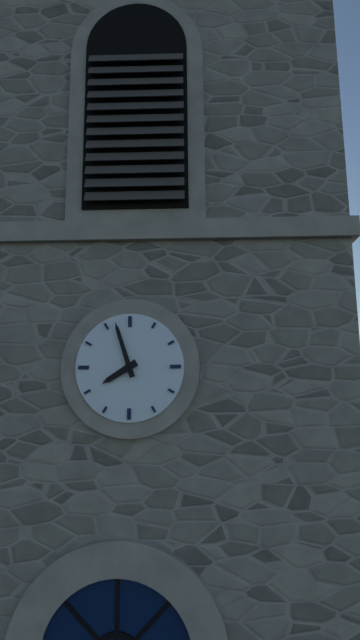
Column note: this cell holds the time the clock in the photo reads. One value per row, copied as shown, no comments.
7:57
